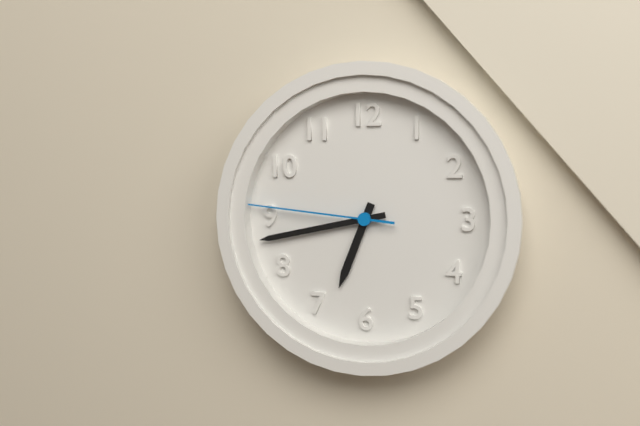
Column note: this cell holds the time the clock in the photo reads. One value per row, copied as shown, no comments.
6:43:46
